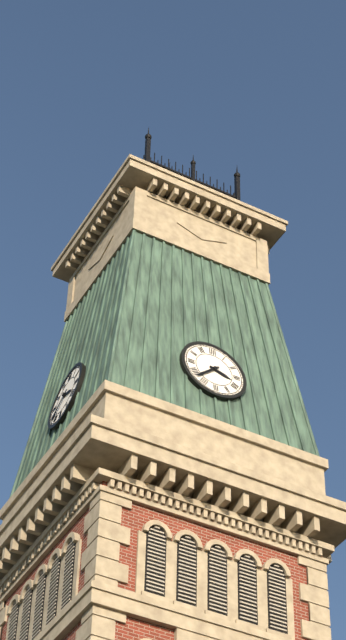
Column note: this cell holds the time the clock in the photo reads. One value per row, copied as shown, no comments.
3:38
